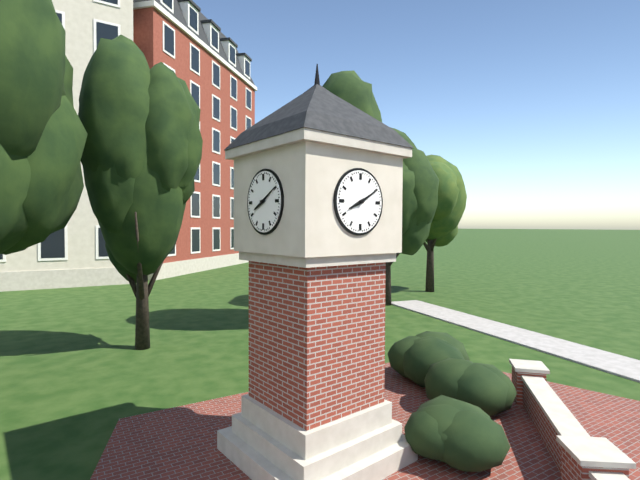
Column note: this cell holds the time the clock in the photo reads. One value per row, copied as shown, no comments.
8:10
